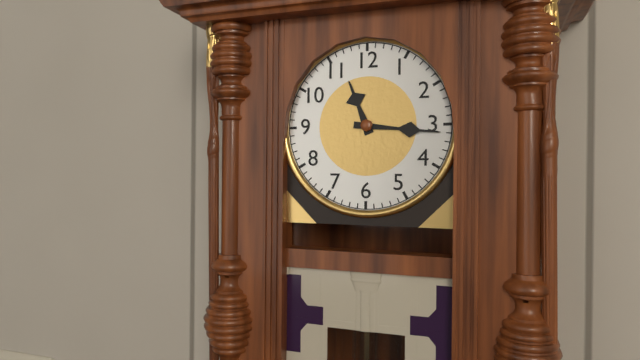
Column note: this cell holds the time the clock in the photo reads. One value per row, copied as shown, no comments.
11:16
